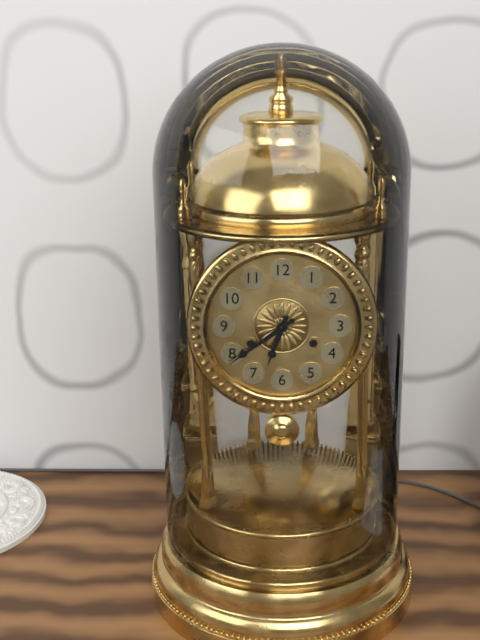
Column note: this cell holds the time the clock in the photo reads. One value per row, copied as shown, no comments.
6:39
